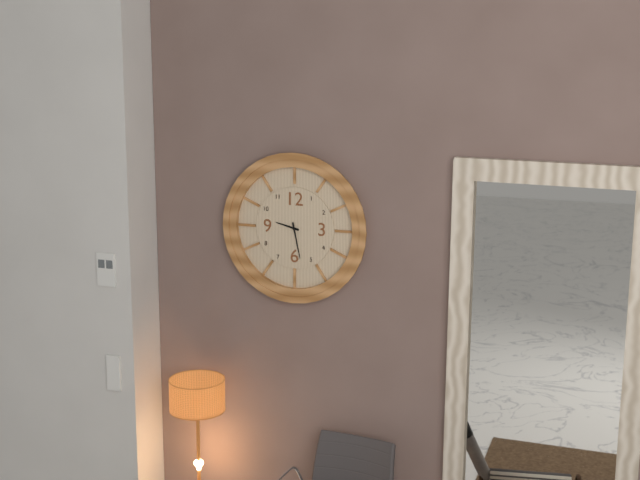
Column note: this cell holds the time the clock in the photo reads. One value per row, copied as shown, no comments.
9:28
